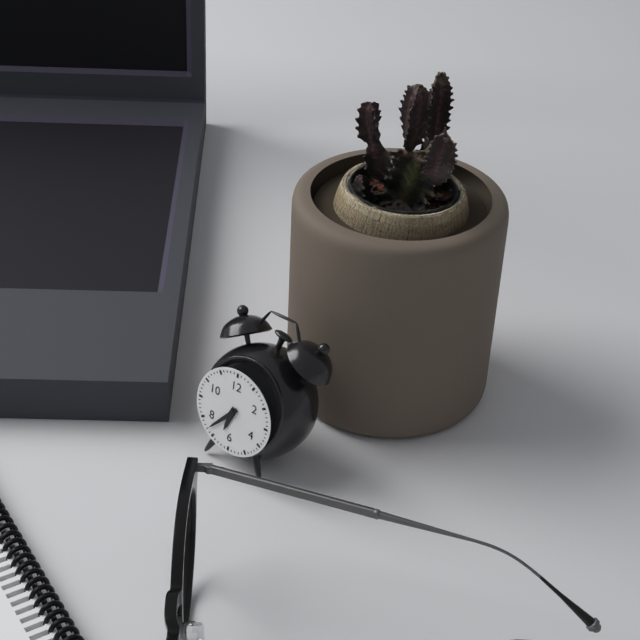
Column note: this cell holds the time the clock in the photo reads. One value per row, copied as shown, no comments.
6:37
